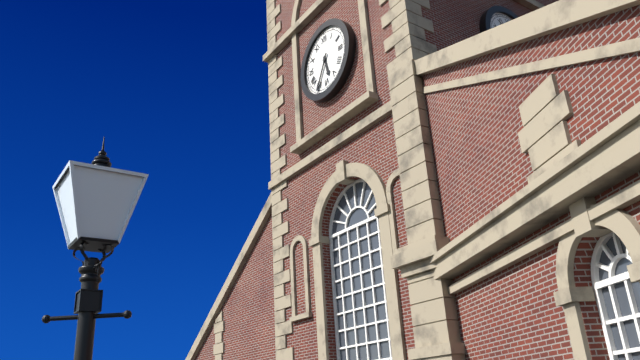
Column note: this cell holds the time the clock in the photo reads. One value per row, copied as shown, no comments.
5:35
